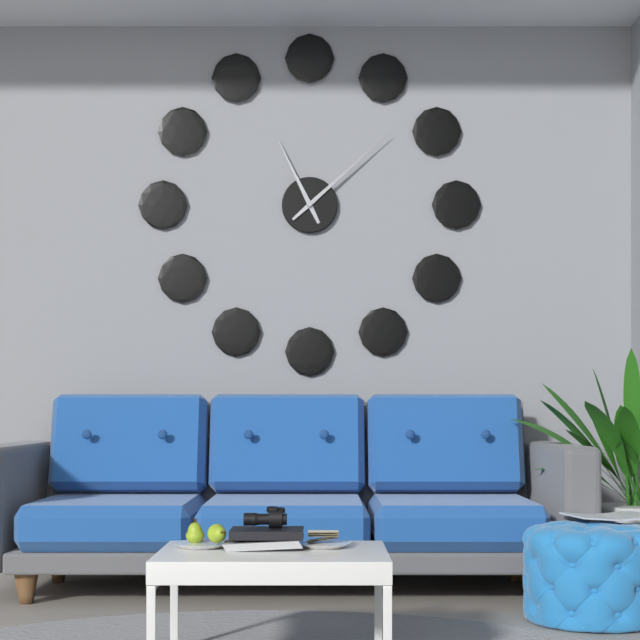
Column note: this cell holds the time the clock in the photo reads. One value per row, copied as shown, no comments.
11:08
